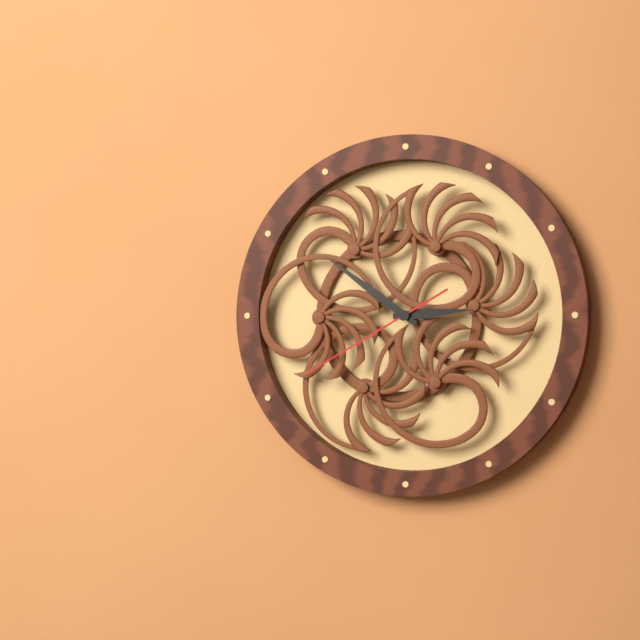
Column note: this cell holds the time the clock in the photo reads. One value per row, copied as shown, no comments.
2:51:40
